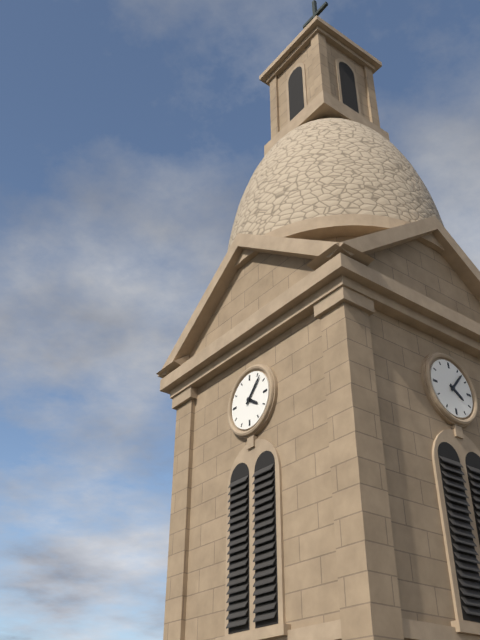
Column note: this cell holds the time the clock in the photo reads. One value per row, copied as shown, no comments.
4:07
